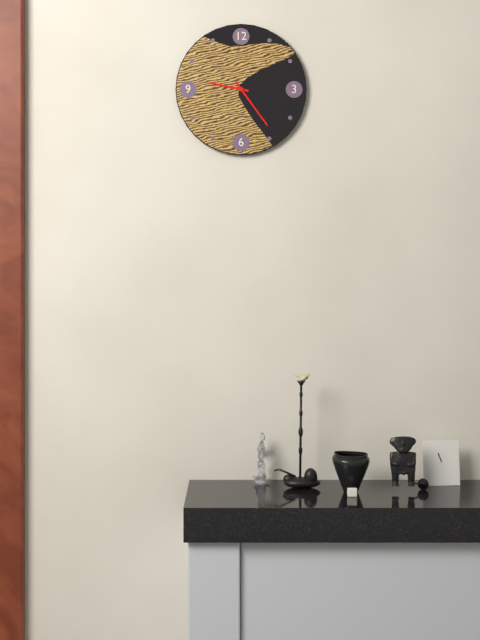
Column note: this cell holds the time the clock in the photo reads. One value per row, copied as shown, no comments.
9:24
